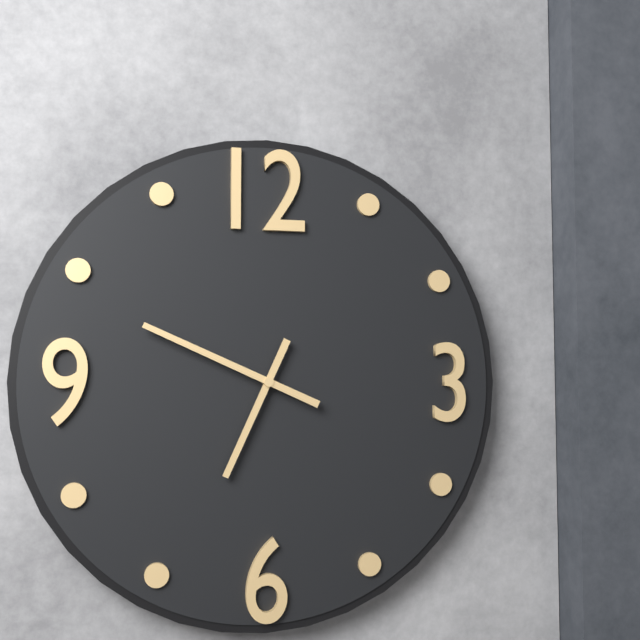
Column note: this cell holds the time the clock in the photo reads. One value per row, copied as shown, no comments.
6:49
